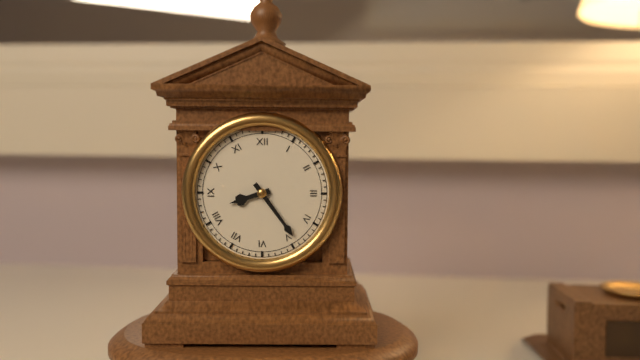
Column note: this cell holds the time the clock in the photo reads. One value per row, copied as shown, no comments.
8:24
